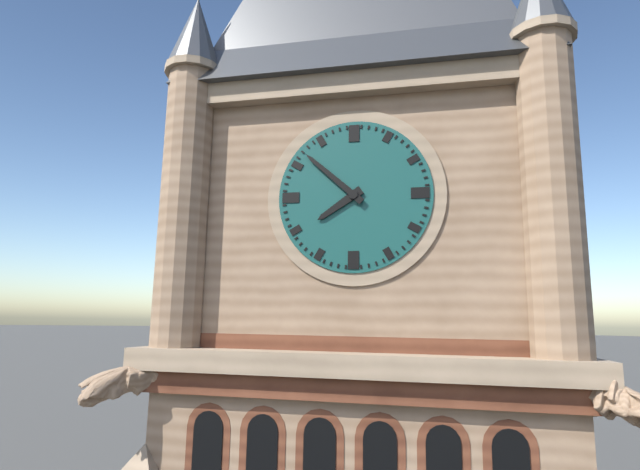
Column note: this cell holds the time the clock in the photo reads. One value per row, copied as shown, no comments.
7:52
